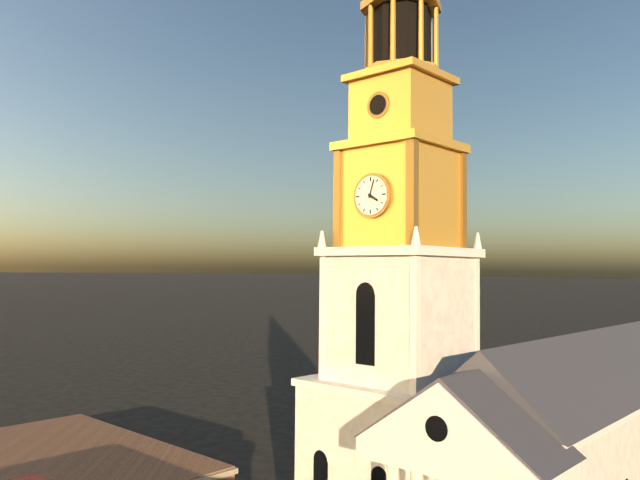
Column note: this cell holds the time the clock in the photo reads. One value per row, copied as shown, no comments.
4:03
